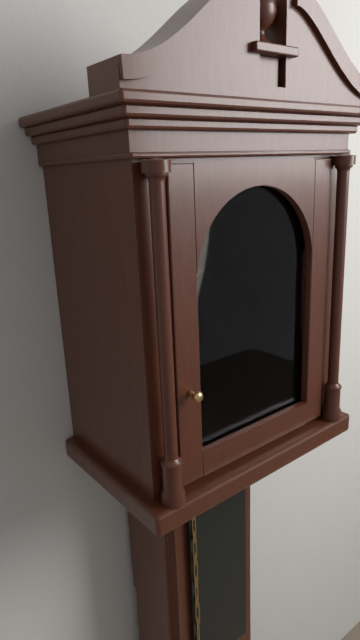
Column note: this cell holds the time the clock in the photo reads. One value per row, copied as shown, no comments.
4:30
